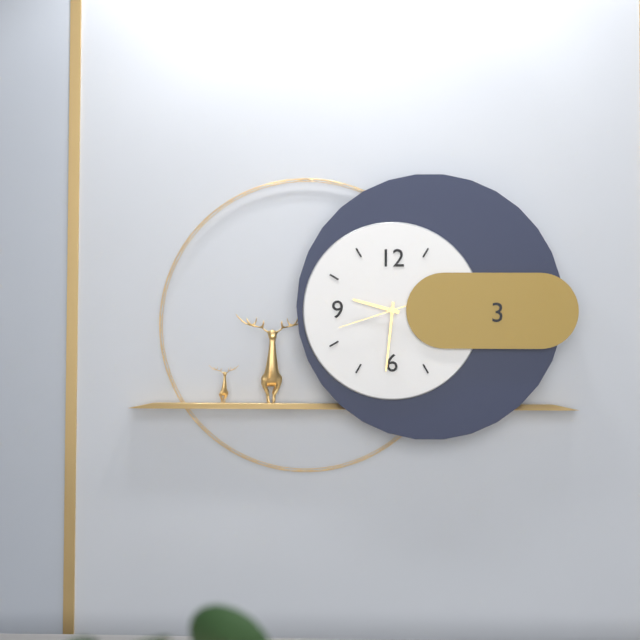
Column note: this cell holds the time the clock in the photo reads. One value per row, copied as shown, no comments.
9:31:42
